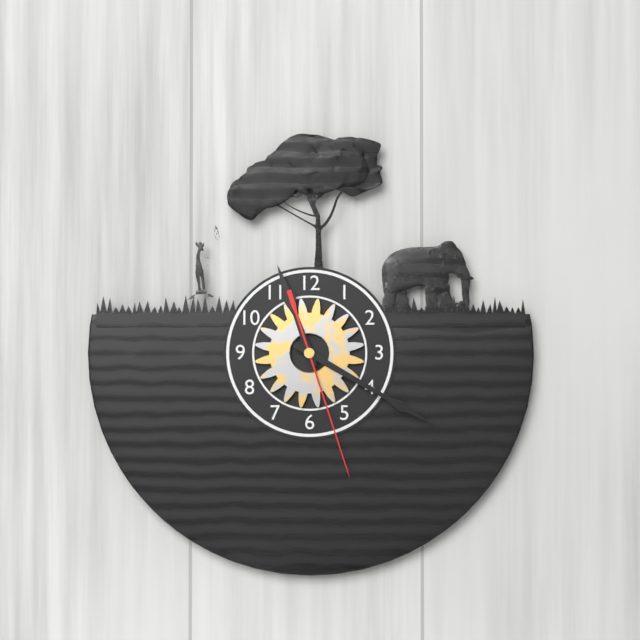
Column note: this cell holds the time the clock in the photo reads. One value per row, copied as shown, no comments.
11:20:27
